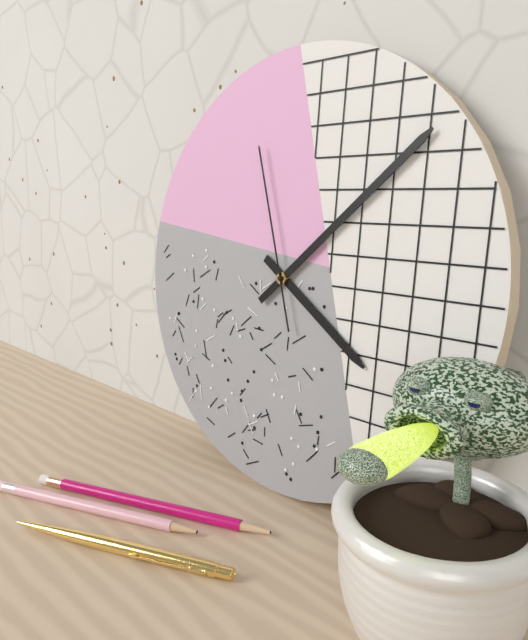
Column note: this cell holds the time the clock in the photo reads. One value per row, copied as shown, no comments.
4:08:57
